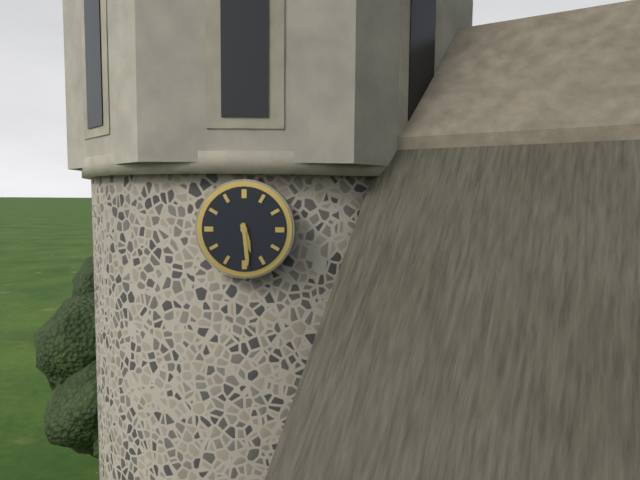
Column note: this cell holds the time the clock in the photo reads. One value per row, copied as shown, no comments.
5:29
